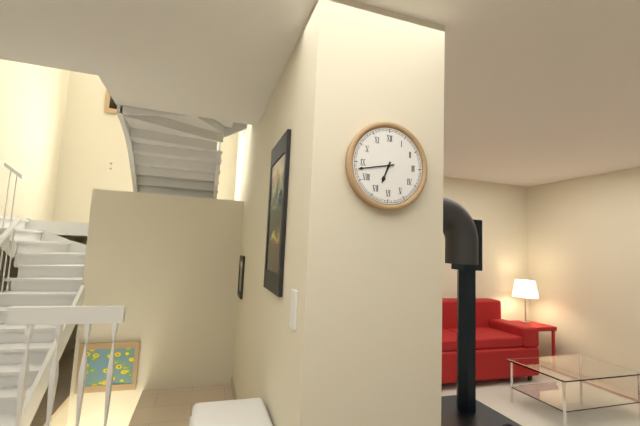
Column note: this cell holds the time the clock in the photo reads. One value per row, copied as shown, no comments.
6:43
